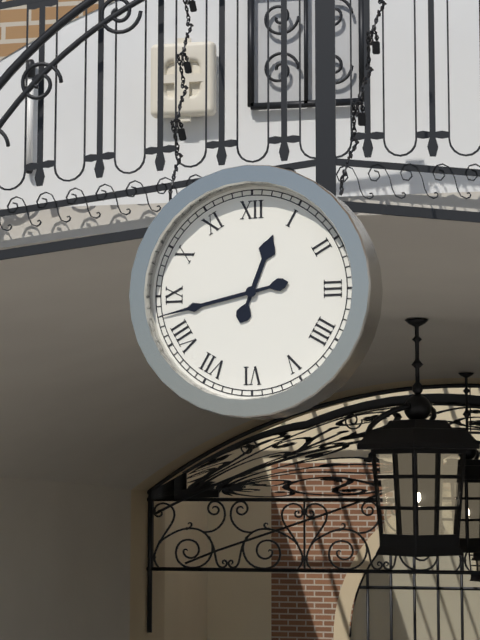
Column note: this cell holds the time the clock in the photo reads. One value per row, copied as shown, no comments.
12:43
